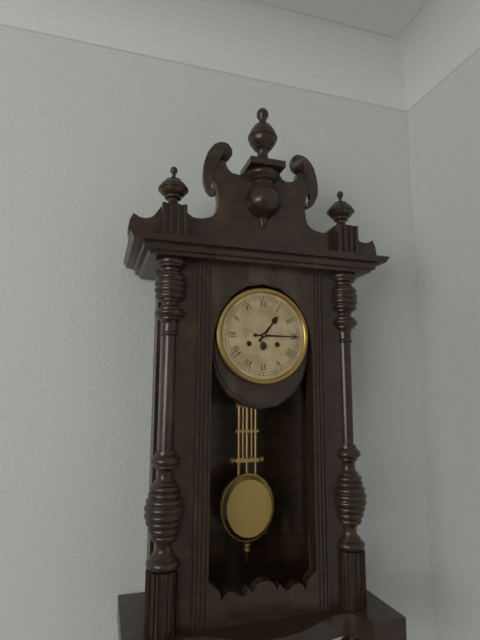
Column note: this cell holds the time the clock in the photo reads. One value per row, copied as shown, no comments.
1:15
